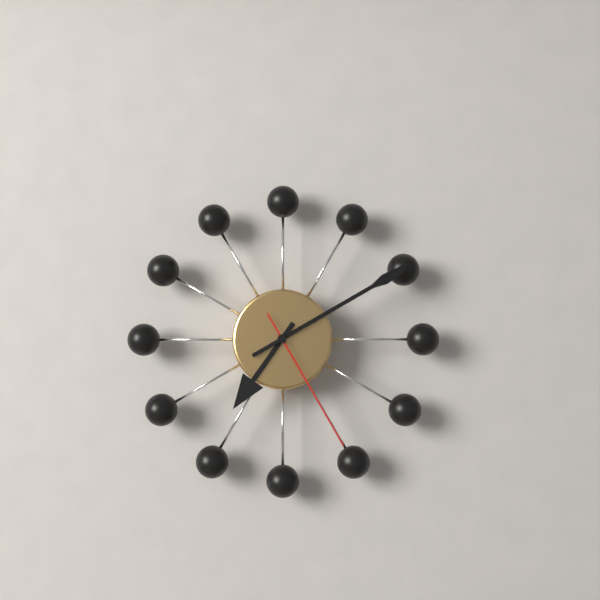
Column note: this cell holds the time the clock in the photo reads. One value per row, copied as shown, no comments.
7:10:25
